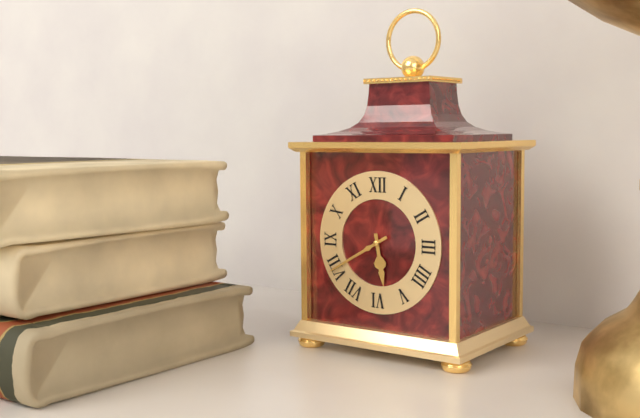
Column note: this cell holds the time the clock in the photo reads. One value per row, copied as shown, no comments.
5:40
